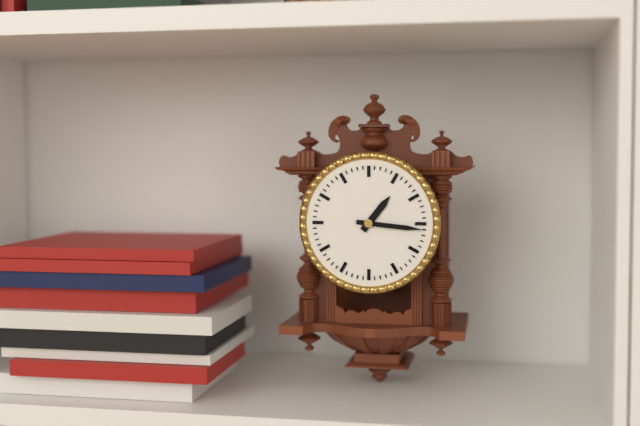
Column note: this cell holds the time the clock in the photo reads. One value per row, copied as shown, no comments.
1:16
